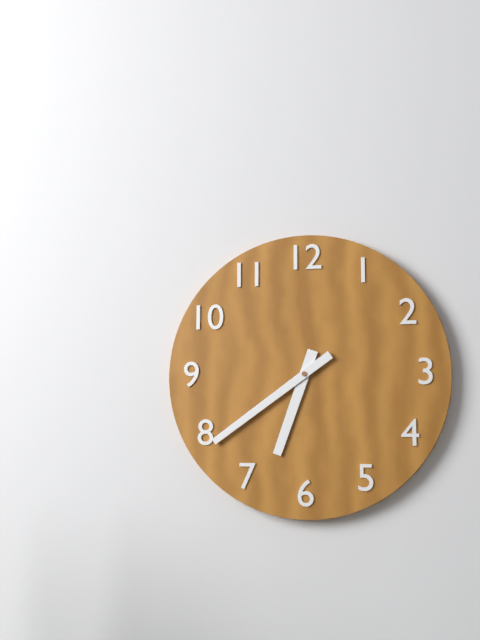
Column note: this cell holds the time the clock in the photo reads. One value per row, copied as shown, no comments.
6:39
